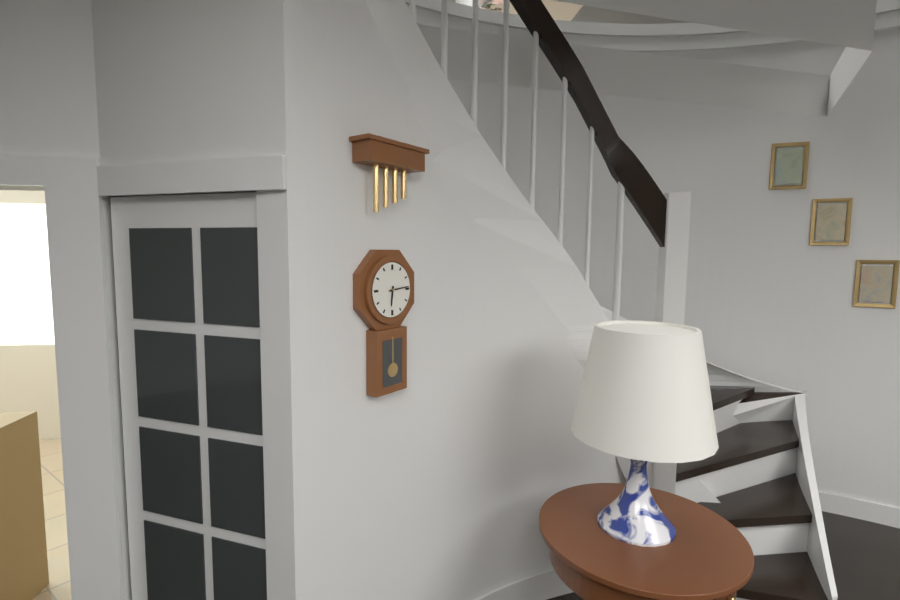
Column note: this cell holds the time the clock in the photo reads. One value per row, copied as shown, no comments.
6:14
